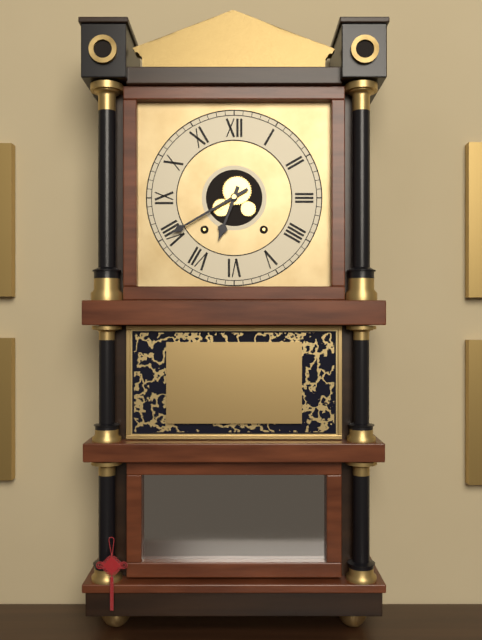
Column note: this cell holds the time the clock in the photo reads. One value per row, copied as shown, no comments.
6:40
